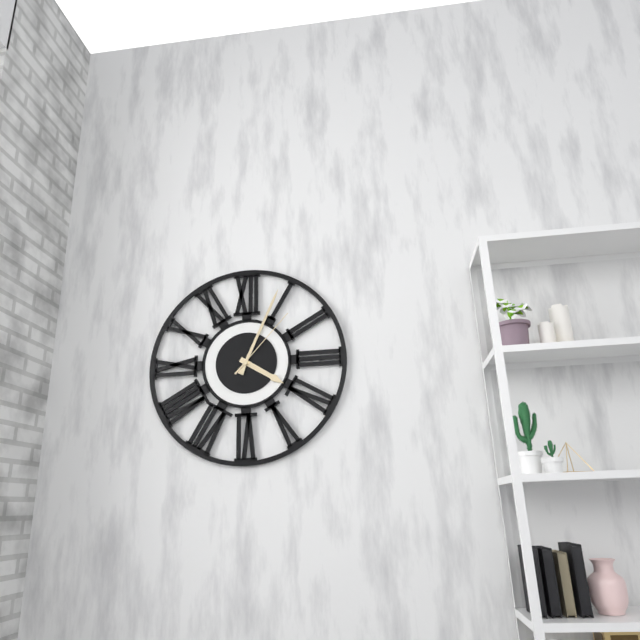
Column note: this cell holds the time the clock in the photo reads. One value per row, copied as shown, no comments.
4:04:07
